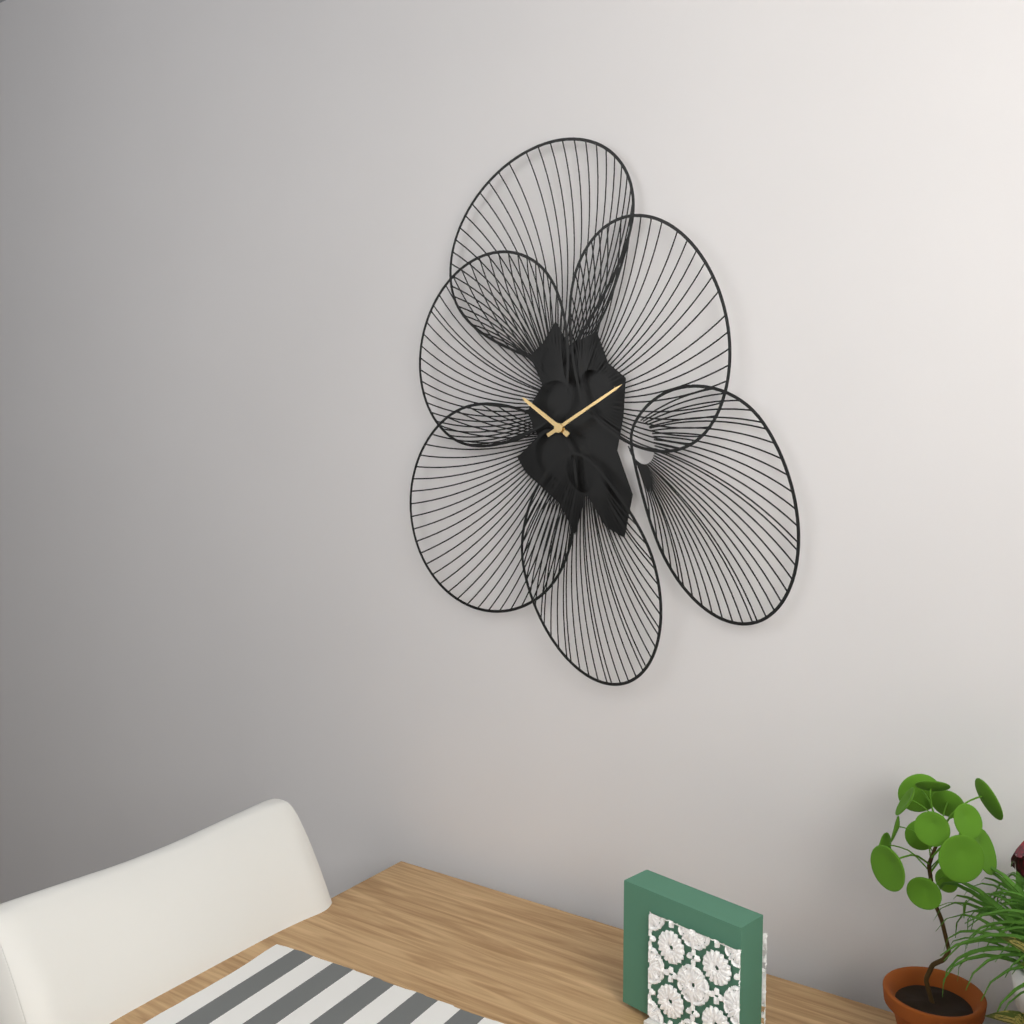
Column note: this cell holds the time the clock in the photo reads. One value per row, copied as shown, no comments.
10:10
